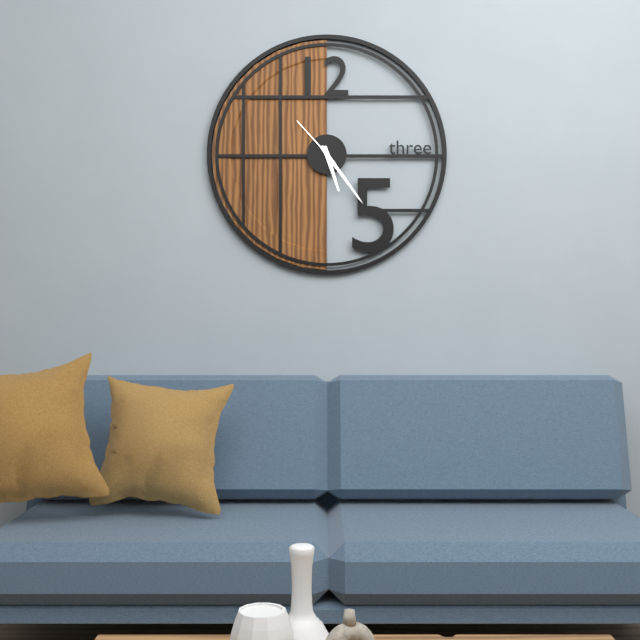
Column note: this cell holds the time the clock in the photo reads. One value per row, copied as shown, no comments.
5:24:53
